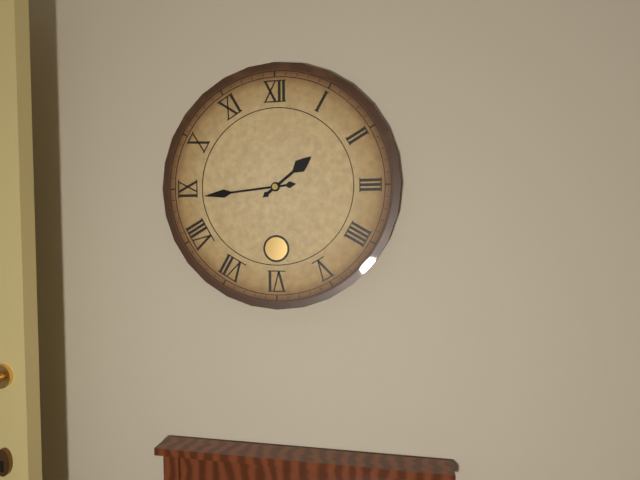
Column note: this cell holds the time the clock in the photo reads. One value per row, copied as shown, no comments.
1:44
